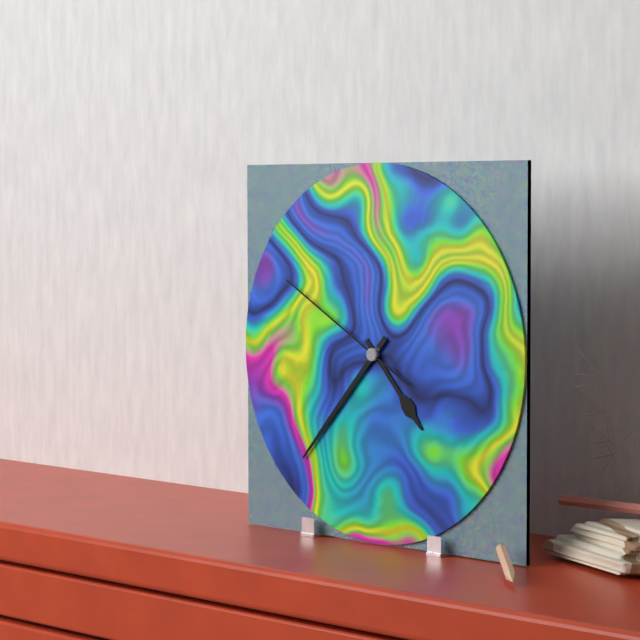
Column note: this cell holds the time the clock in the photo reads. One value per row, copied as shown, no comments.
4:37:50
